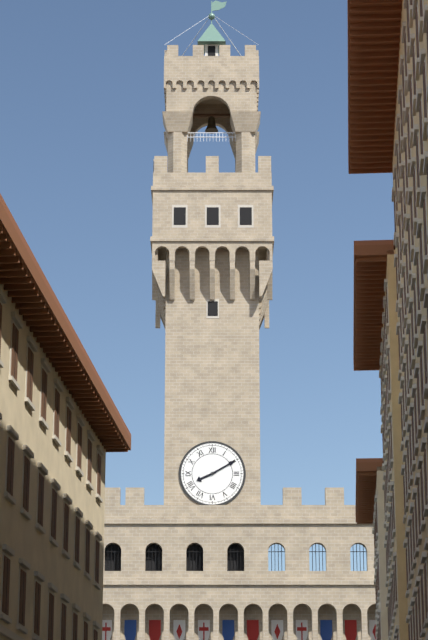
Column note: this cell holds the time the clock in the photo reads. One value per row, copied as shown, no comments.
8:10
